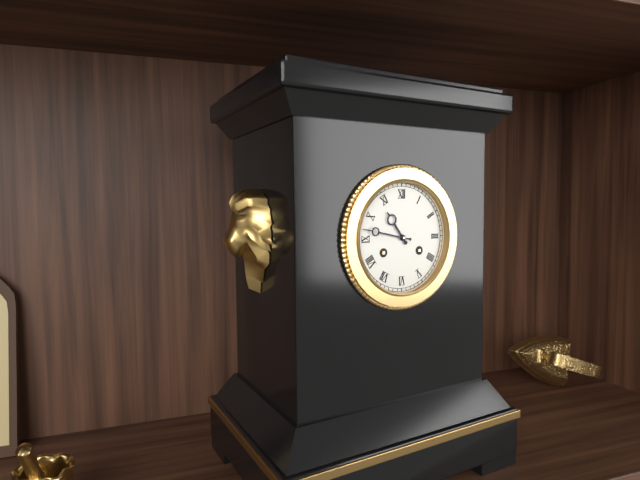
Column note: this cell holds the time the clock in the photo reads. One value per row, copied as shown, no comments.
10:47
